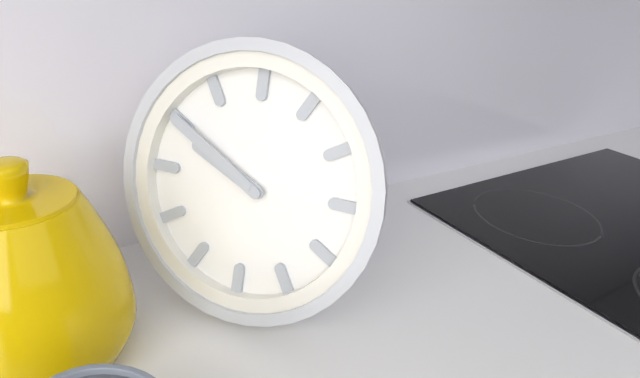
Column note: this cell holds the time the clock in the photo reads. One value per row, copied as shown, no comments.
9:50
